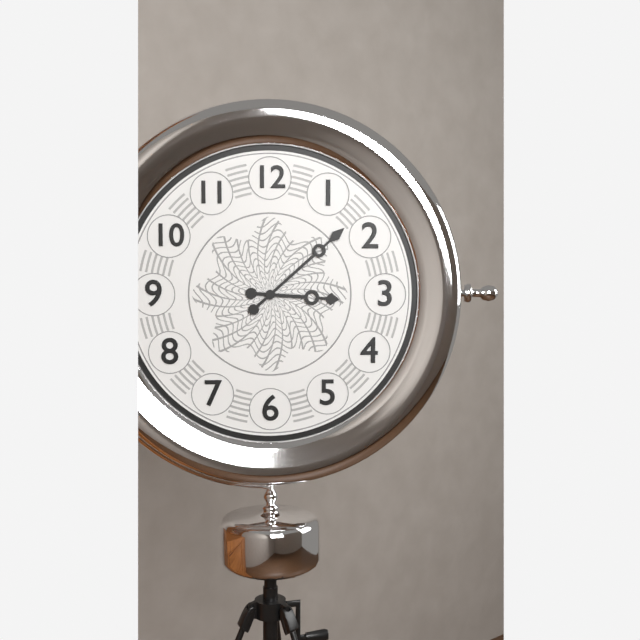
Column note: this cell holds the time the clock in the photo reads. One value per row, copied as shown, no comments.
3:08
